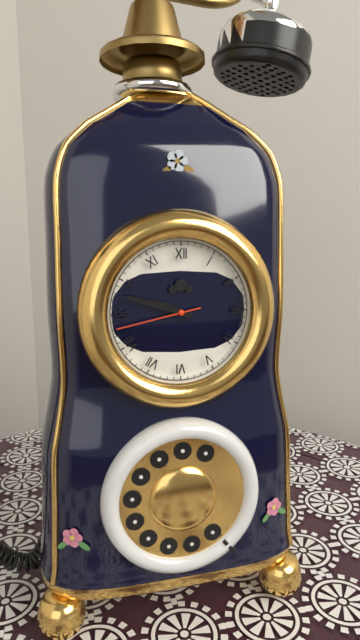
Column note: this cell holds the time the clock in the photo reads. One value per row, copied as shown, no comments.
9:48:43
